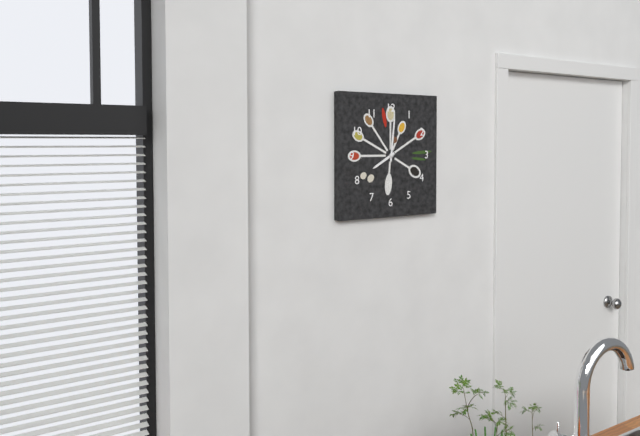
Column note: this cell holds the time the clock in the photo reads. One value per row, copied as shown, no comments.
8:01
